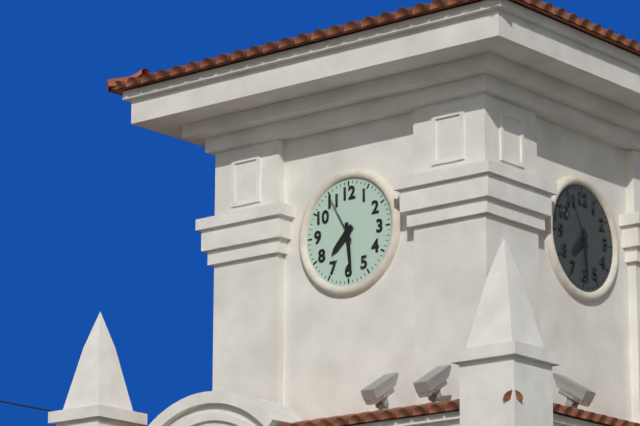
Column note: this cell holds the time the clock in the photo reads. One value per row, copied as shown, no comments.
7:29:55
